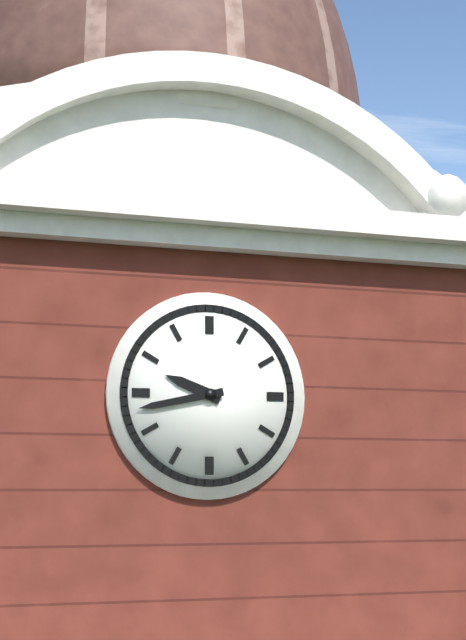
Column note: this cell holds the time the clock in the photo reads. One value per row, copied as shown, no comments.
9:43
